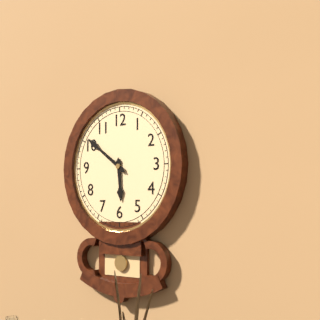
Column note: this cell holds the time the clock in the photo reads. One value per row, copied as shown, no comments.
5:51
